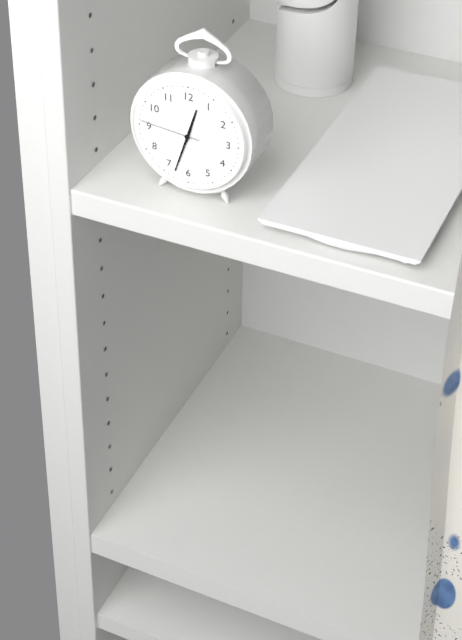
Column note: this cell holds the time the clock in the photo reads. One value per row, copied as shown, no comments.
12:33:46
